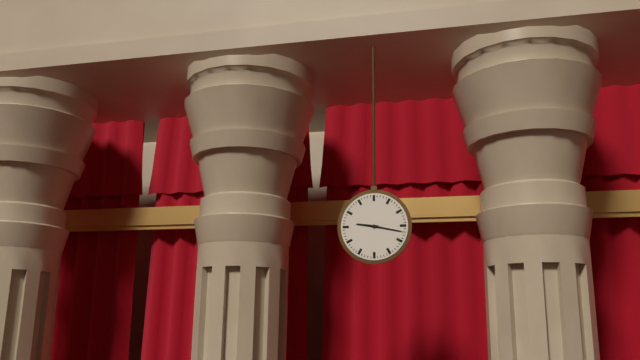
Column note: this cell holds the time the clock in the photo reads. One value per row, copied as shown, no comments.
9:17
